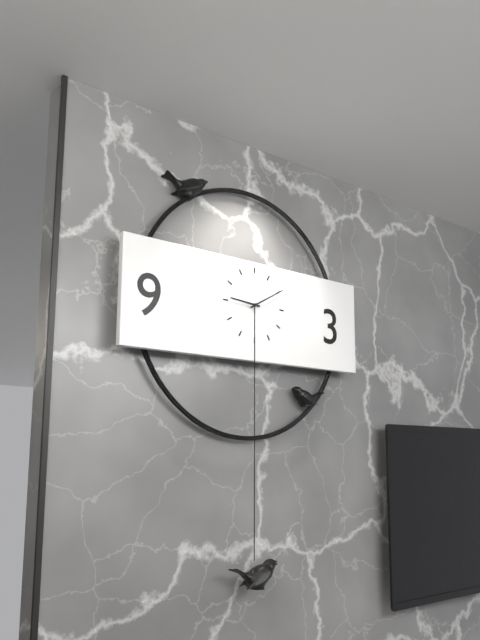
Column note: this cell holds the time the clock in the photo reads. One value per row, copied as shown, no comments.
9:10
